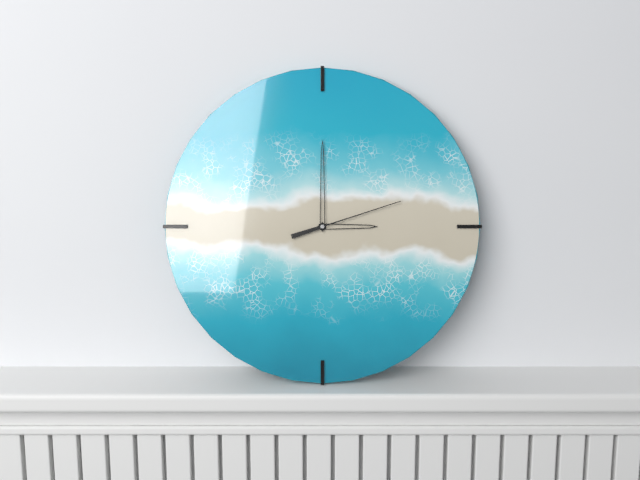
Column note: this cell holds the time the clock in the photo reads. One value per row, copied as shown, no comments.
3:00:12
